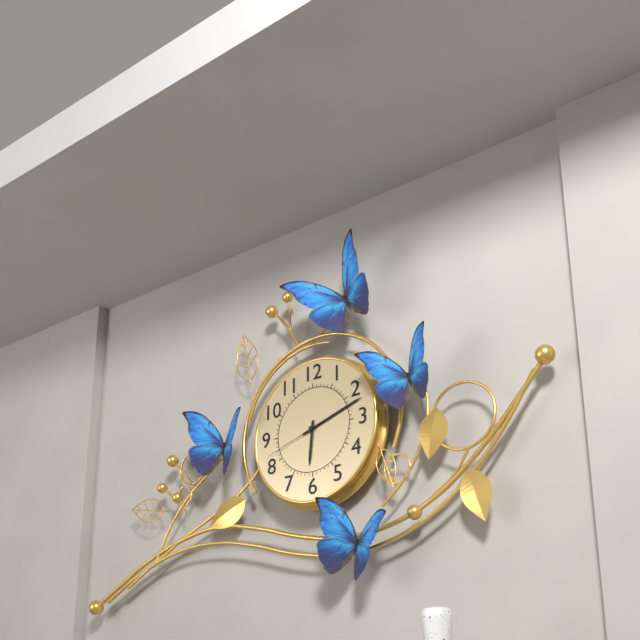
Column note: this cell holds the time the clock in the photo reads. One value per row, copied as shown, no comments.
6:12:42
